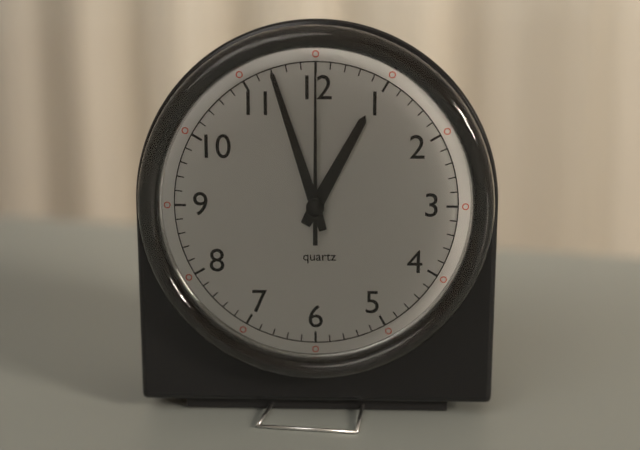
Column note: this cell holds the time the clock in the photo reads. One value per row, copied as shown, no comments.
12:57:00
